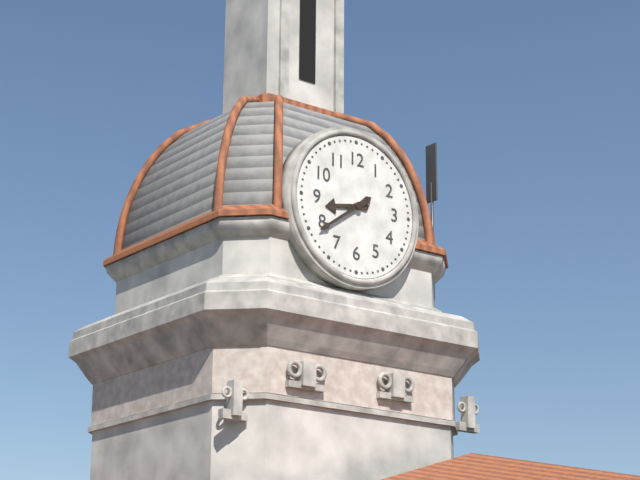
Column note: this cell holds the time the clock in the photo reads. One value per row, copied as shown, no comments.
8:39
